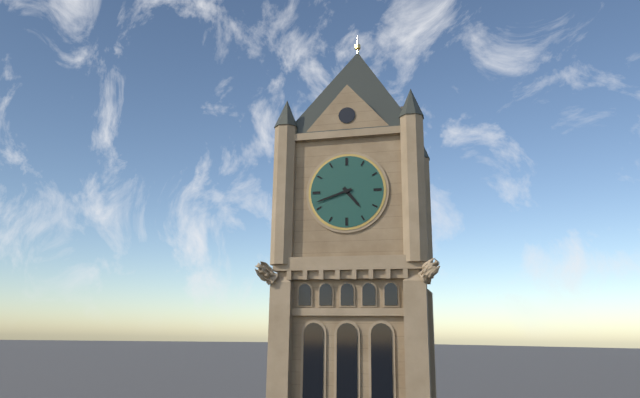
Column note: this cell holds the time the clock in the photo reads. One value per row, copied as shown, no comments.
4:42
